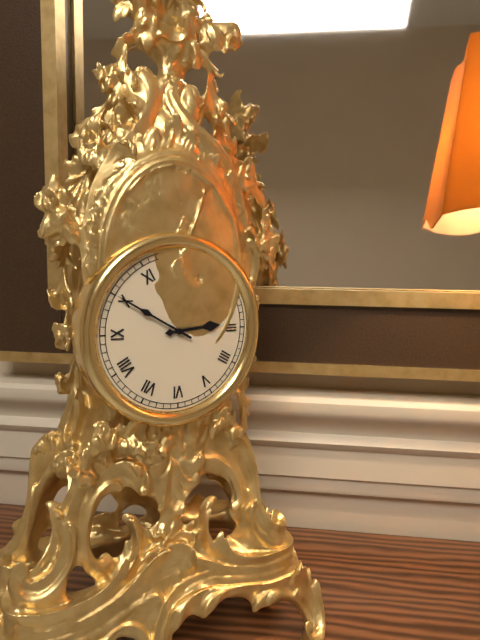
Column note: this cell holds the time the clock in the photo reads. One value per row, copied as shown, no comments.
2:50
